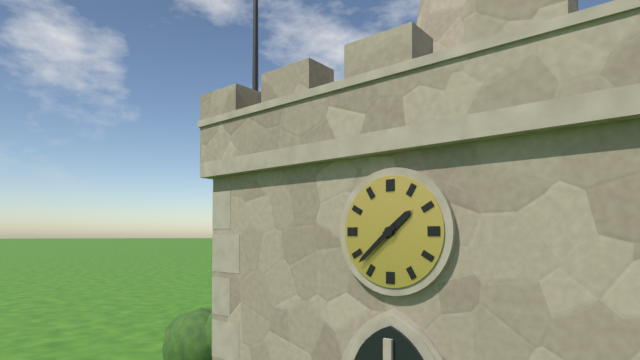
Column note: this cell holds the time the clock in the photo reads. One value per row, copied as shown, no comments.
1:38
